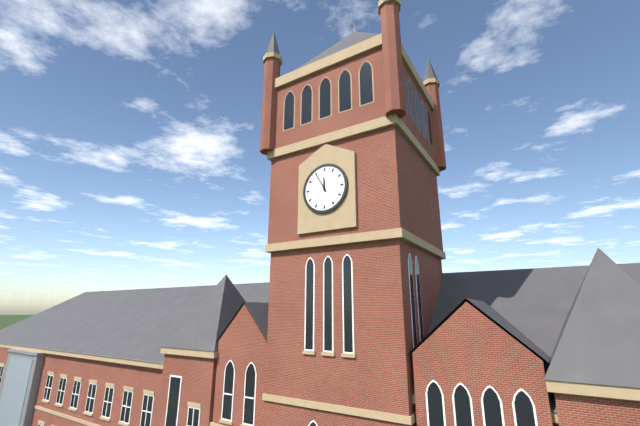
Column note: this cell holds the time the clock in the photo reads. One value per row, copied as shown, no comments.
11:55
